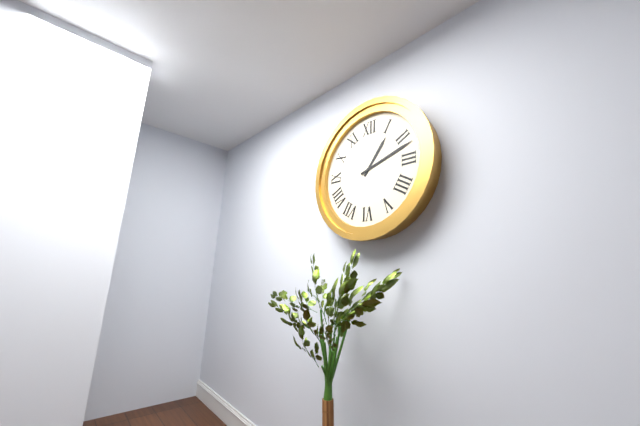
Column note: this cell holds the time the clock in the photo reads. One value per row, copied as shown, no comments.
1:12
